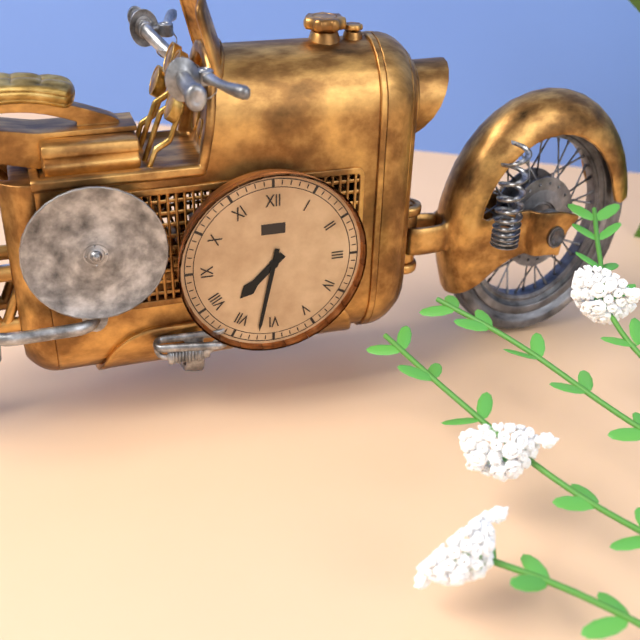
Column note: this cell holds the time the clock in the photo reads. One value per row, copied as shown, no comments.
7:32
